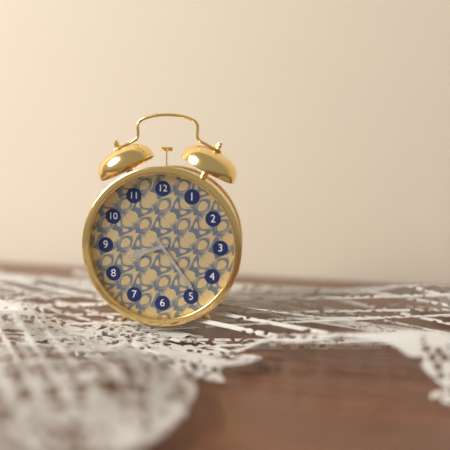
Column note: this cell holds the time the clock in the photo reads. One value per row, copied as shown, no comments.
8:24
